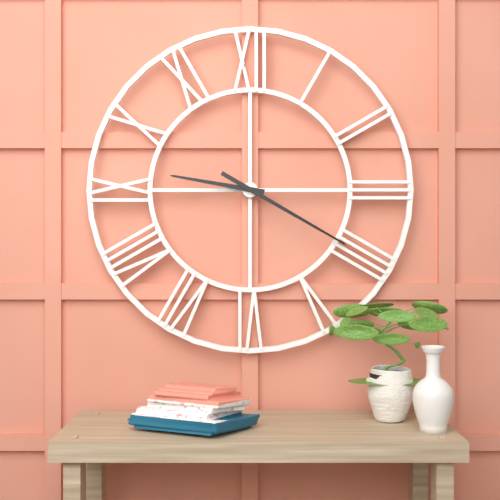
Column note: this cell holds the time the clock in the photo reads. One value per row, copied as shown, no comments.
9:20
